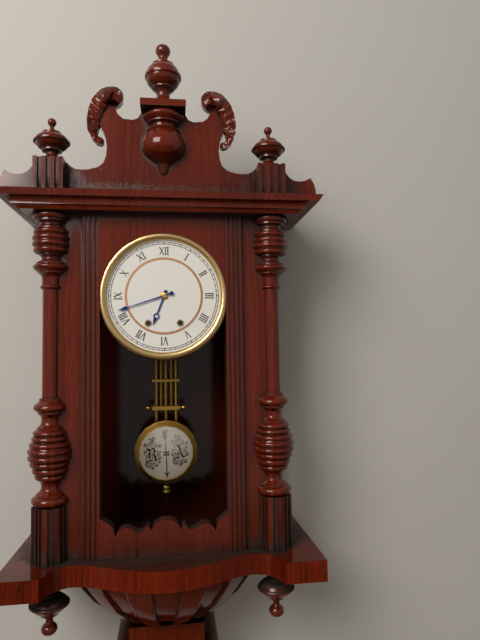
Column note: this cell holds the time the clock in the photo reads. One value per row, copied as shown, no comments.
6:42
